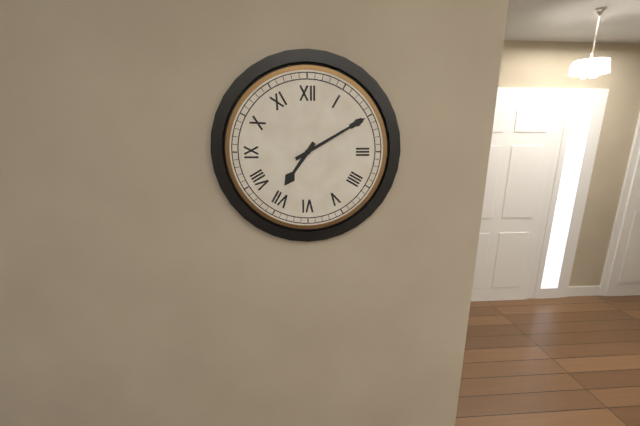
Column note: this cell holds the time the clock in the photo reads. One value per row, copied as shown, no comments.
7:10
